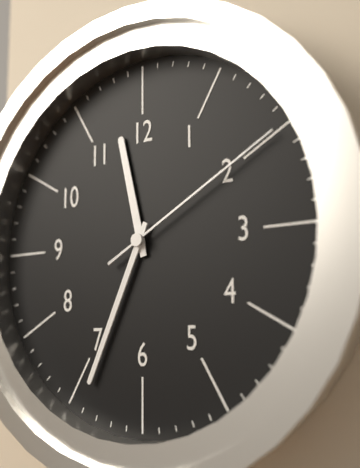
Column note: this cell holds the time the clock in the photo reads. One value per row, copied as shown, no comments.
11:34:10
